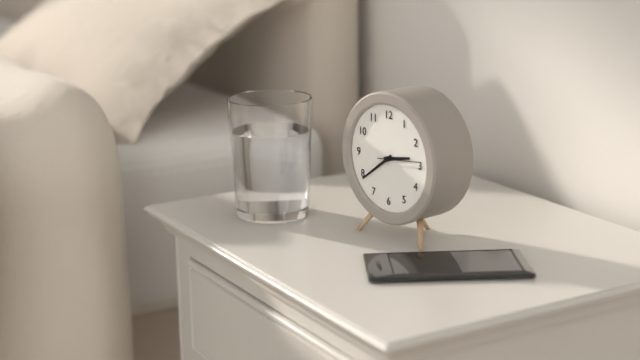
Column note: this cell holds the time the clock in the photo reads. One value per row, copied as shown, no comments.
2:39
